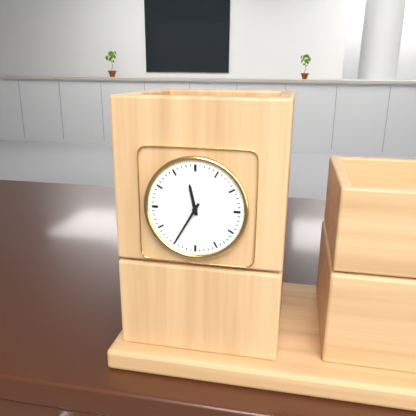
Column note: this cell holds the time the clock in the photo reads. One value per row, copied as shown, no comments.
11:35
